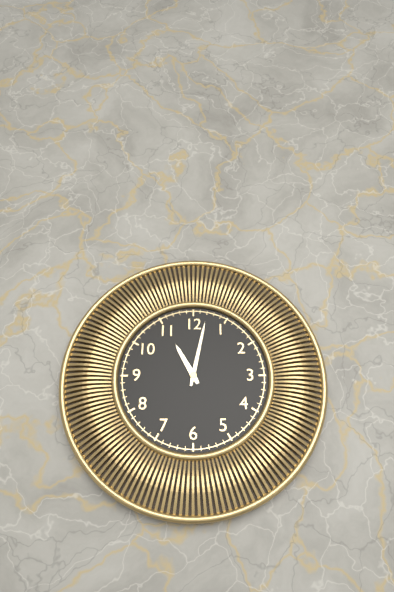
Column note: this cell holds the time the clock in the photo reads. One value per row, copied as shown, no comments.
11:02
